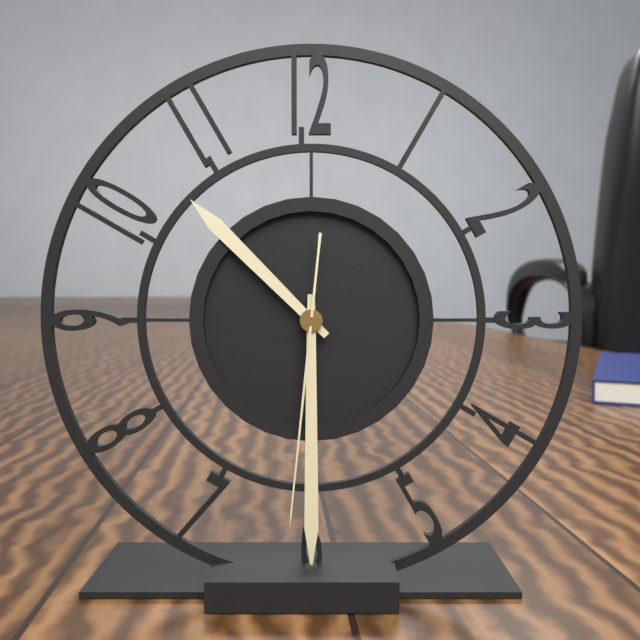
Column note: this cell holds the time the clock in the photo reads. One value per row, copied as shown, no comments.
10:30:31
